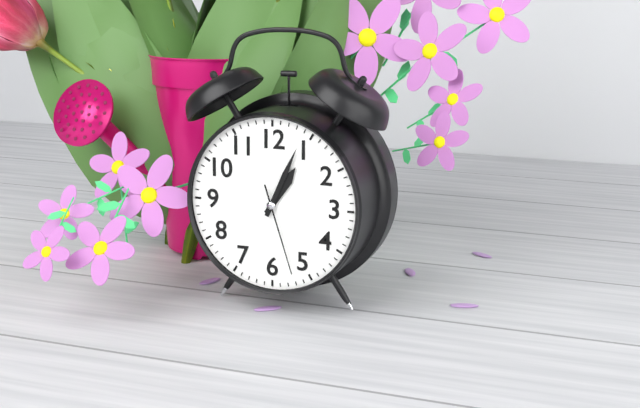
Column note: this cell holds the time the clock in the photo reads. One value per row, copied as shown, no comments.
1:04:27
